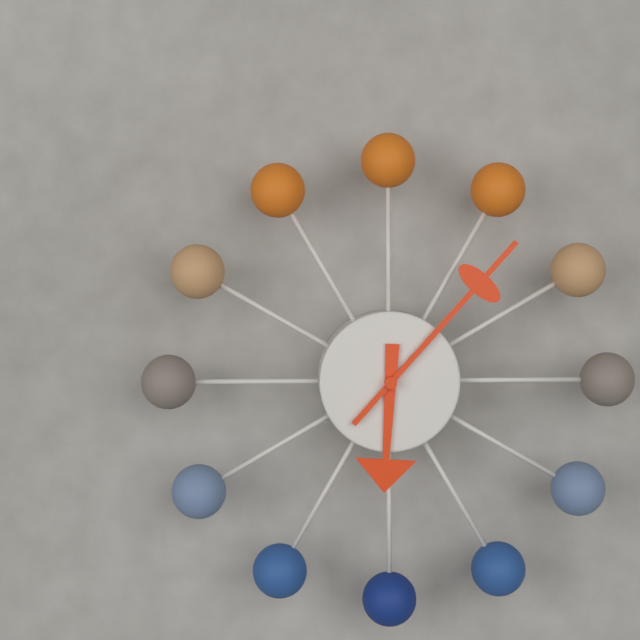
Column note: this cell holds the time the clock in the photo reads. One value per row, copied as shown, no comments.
6:07
